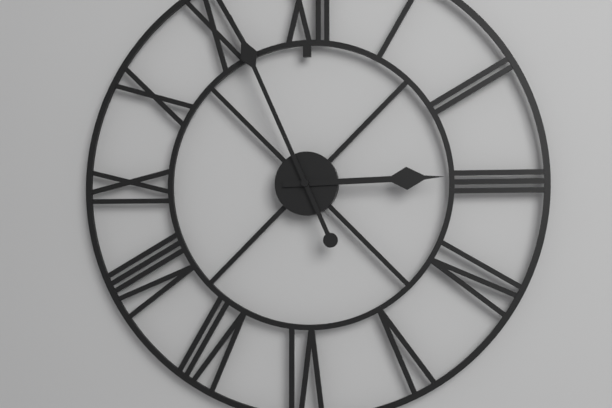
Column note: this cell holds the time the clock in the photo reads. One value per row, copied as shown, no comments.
2:56
